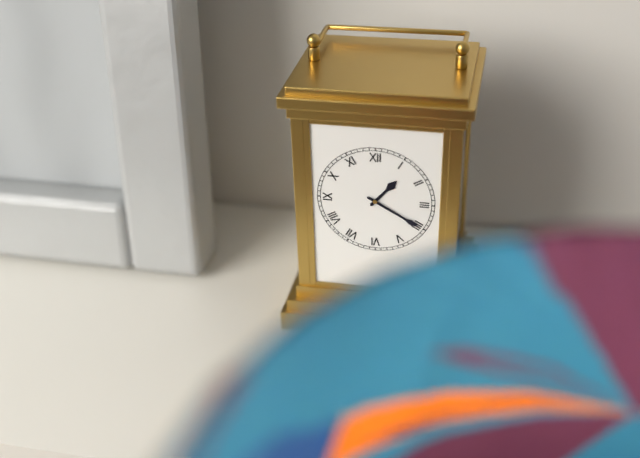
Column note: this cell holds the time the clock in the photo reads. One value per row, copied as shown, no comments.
1:20
